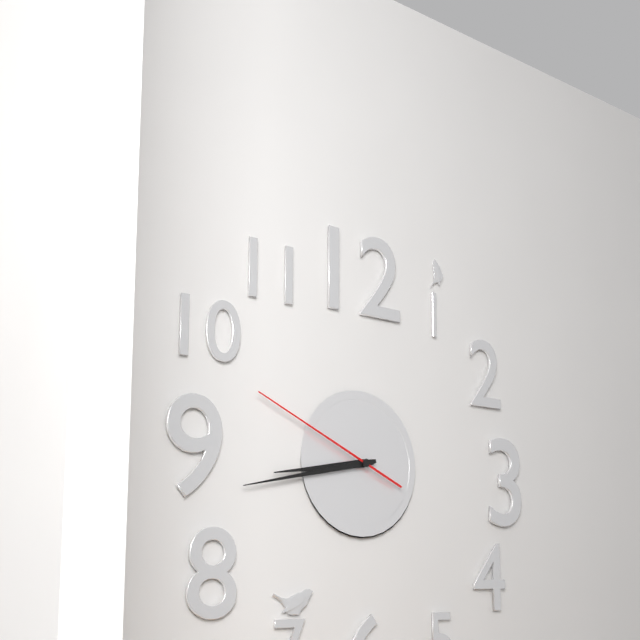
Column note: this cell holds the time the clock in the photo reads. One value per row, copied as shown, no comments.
8:43:49
